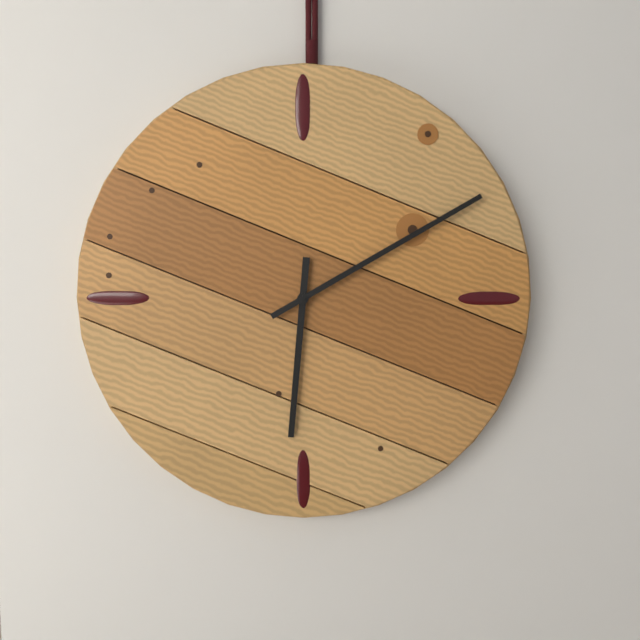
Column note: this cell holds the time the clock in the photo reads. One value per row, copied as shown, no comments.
6:10
